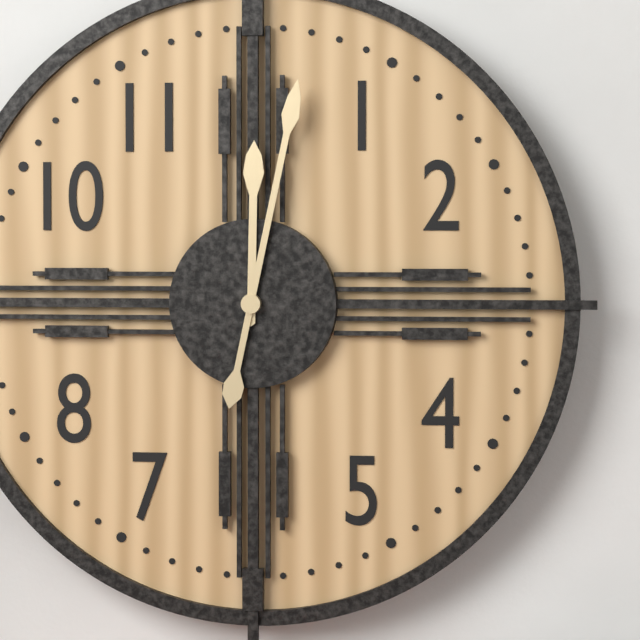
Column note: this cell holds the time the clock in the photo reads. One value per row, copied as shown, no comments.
12:02
